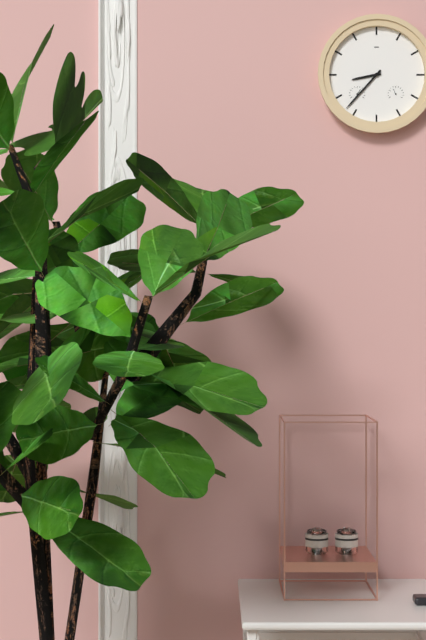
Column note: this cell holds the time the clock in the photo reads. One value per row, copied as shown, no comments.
8:37
